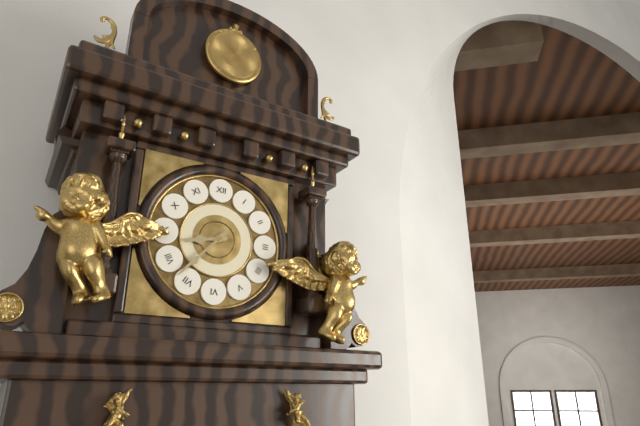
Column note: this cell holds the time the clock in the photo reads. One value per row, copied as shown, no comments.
8:37
